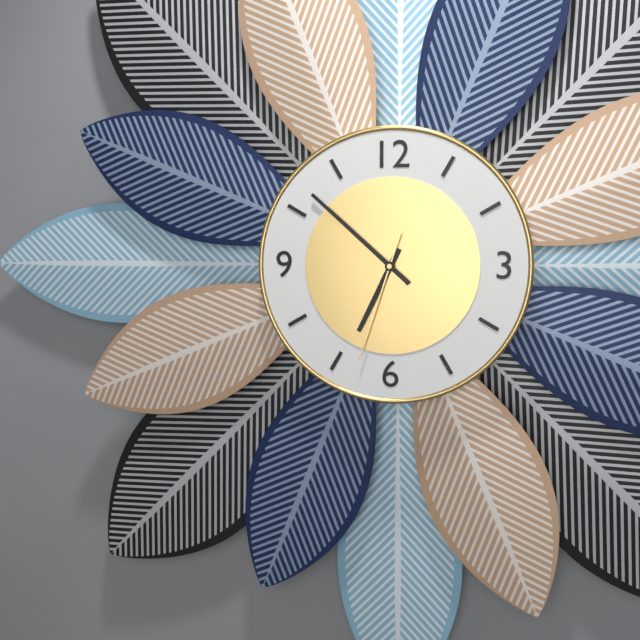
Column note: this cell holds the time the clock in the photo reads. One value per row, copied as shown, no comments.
6:52:33
